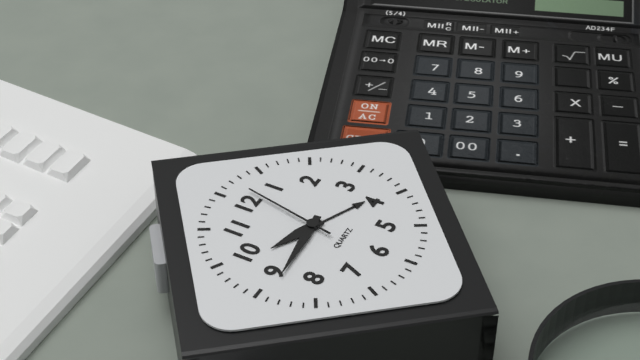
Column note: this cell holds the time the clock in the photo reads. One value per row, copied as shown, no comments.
9:44:02
